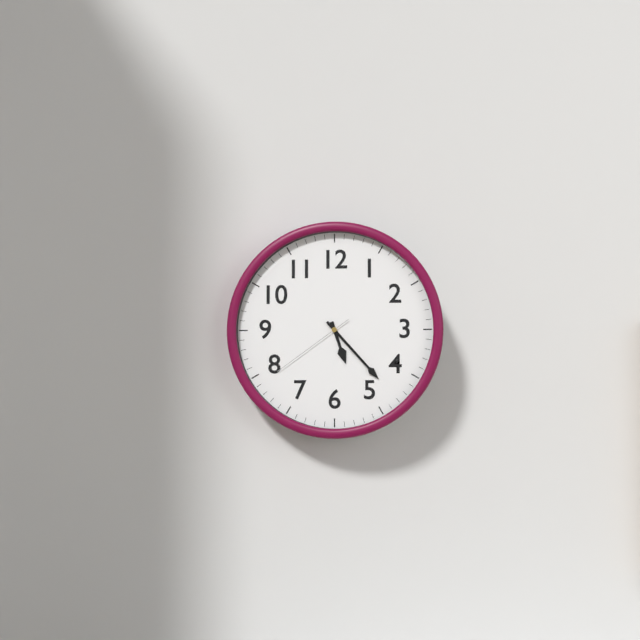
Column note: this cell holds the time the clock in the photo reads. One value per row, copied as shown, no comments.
5:23:39
